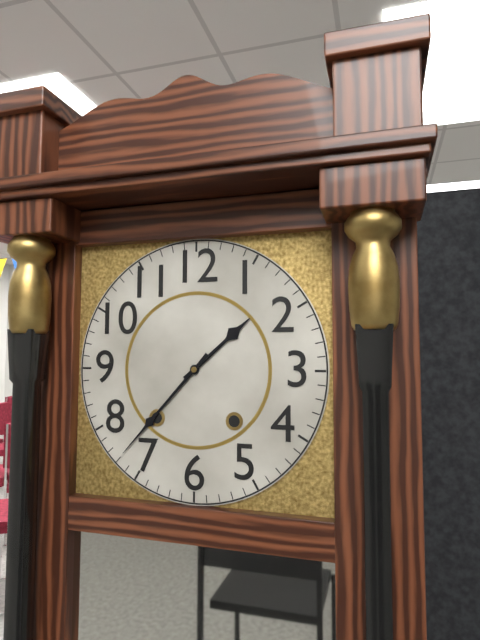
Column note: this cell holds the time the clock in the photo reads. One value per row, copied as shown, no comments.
1:37
